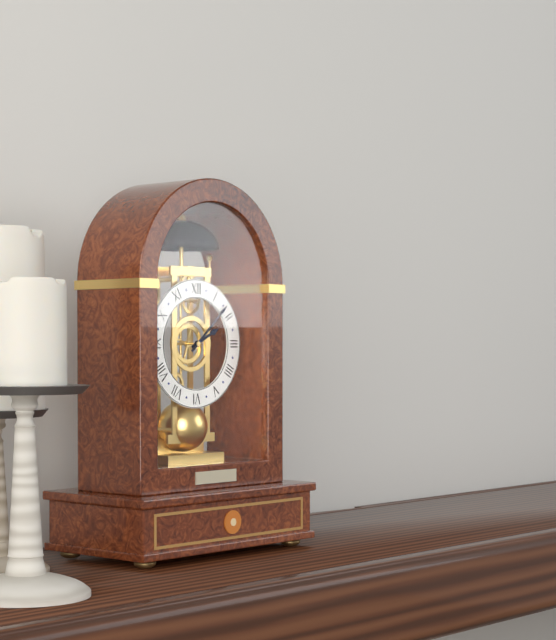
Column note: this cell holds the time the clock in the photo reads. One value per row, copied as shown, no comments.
2:08
